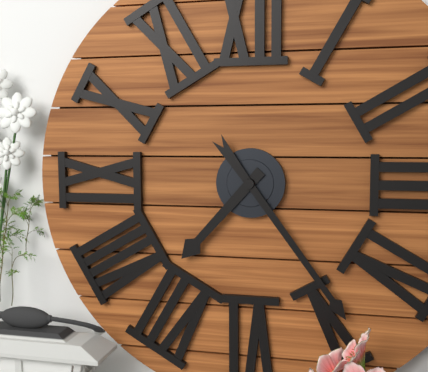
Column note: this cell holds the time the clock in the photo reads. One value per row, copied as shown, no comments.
7:24
